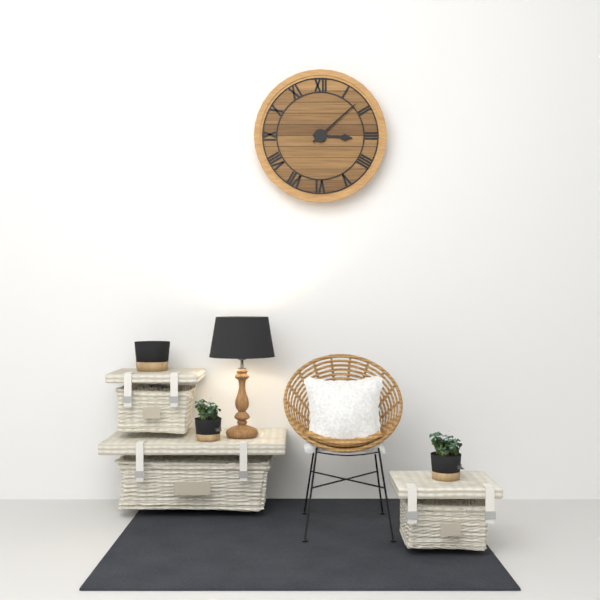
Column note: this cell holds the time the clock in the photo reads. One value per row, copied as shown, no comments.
3:08
